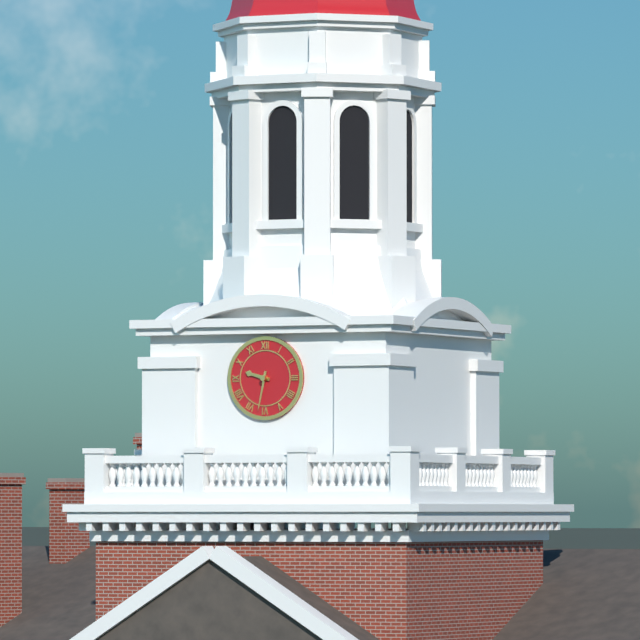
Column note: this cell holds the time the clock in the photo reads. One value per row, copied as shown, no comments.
9:32
